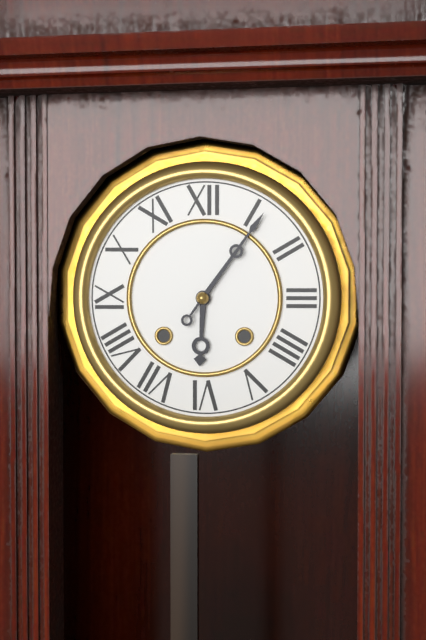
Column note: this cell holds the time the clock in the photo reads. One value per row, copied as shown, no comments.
6:06
